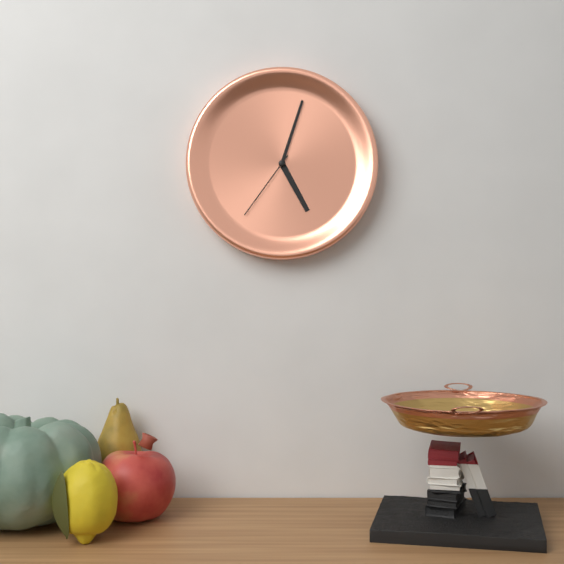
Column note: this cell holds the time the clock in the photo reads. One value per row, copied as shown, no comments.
5:03:36
